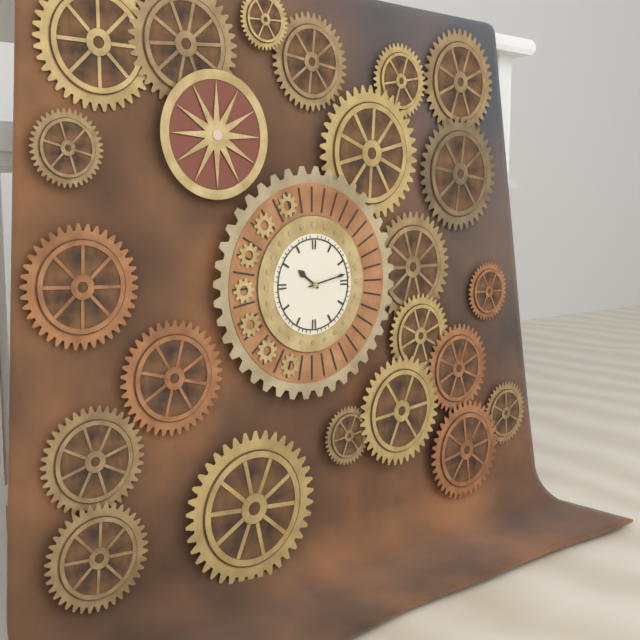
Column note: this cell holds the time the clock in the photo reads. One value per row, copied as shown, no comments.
10:13
